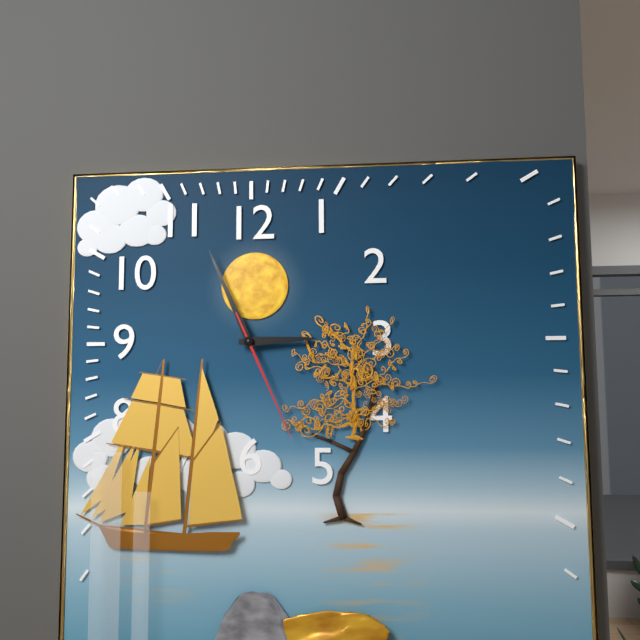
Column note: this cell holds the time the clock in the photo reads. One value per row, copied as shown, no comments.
2:56:26
